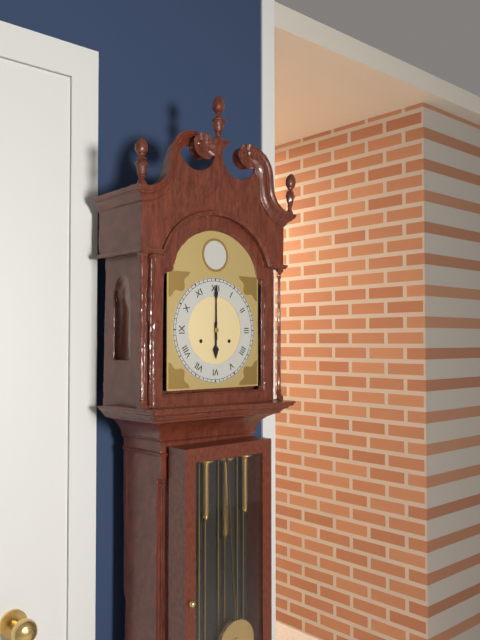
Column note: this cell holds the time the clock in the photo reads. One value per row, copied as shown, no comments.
6:00
